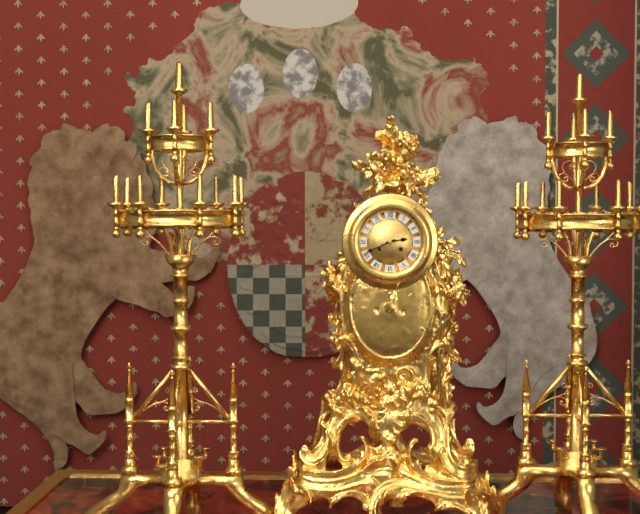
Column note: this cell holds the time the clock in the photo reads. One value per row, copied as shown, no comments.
2:41
